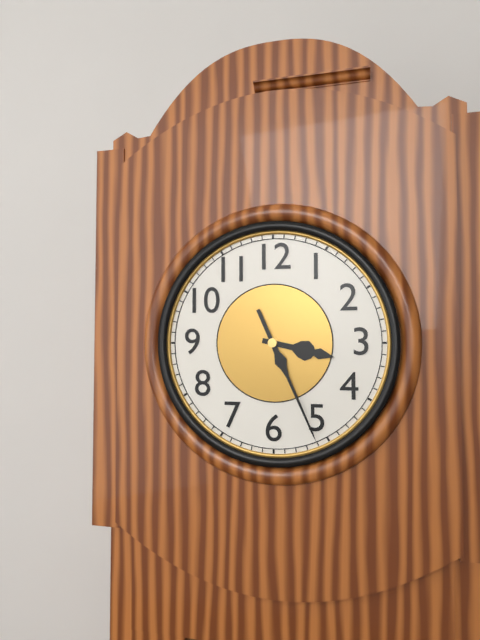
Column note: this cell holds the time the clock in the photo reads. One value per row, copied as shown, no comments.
3:26
